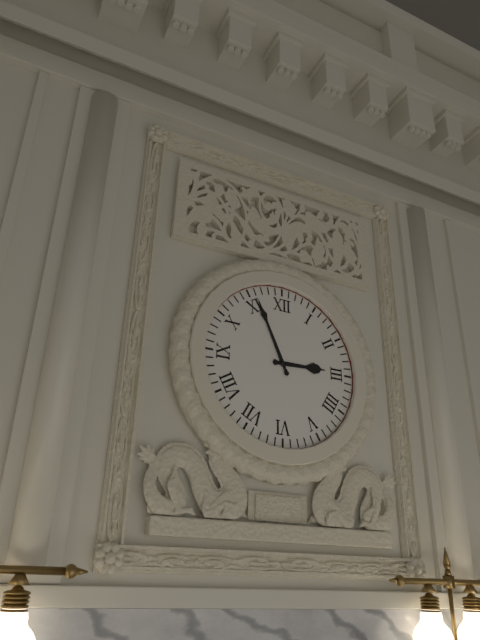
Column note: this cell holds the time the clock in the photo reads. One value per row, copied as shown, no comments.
2:56
